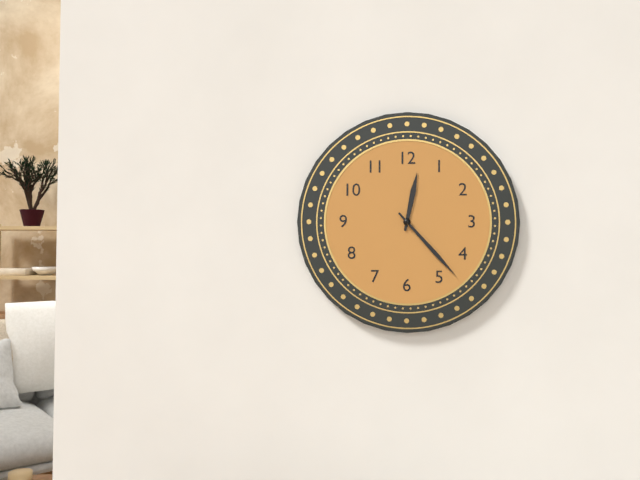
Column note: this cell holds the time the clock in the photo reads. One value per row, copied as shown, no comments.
12:23
